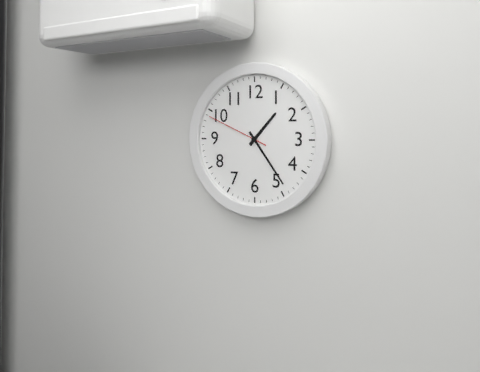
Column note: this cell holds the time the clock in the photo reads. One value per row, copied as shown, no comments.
1:24:49
